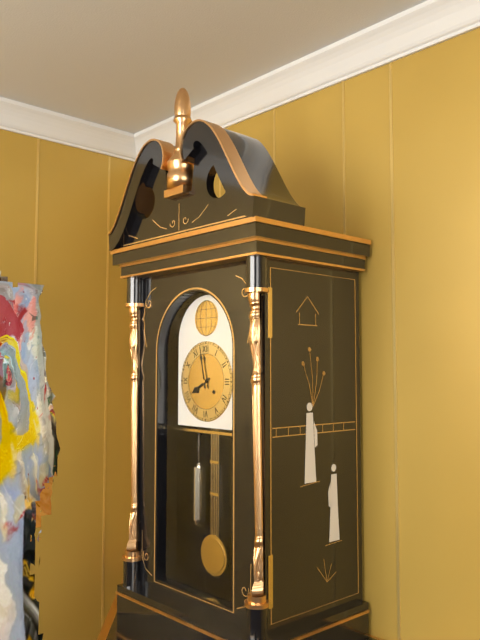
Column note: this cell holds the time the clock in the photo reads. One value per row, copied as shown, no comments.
7:58
